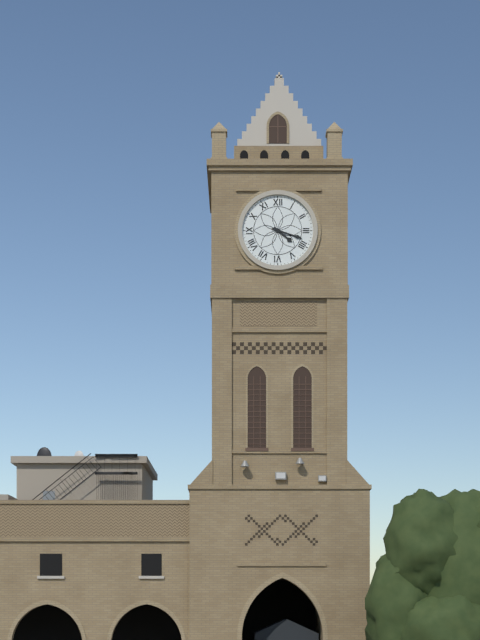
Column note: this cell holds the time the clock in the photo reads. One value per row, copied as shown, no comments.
4:18
